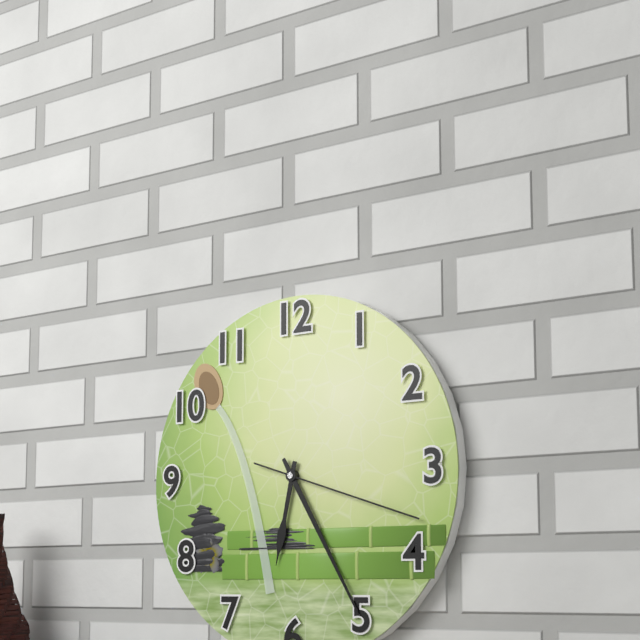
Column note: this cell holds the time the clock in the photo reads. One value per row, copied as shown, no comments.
6:25:18
